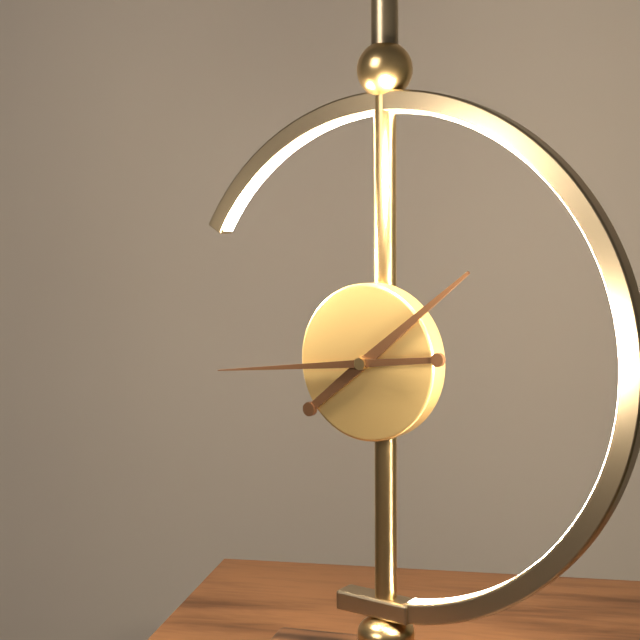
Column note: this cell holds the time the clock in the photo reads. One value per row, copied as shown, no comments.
1:44
